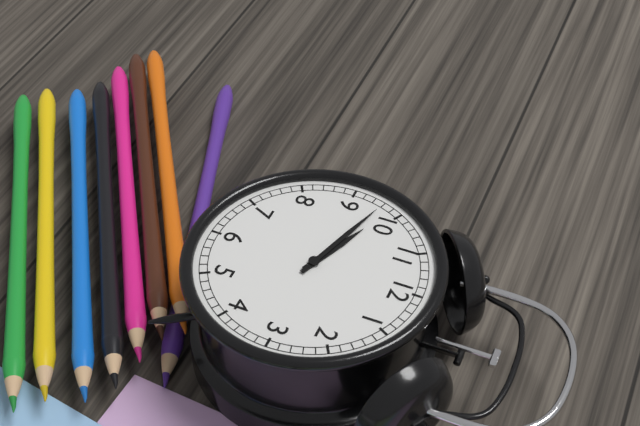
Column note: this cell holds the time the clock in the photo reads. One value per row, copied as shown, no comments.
9:48
